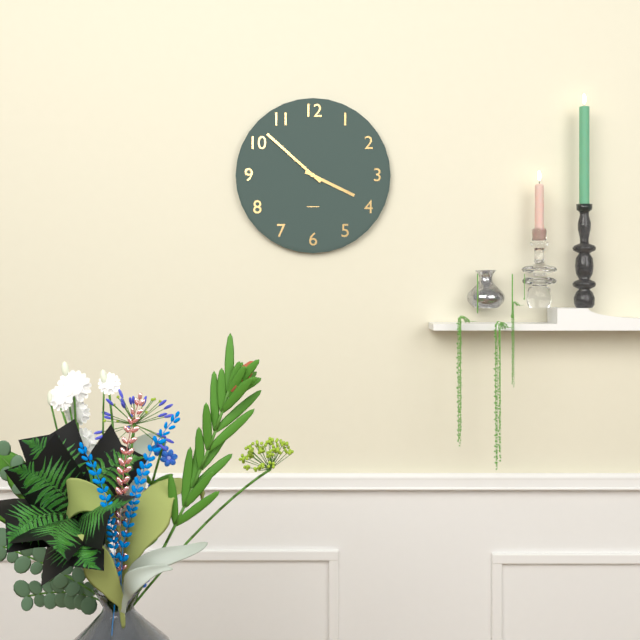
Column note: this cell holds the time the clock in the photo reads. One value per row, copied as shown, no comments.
3:52
